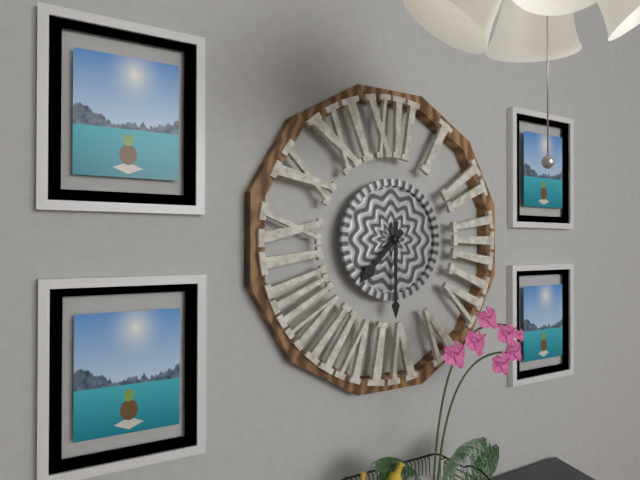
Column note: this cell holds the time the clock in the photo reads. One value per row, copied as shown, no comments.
7:30
